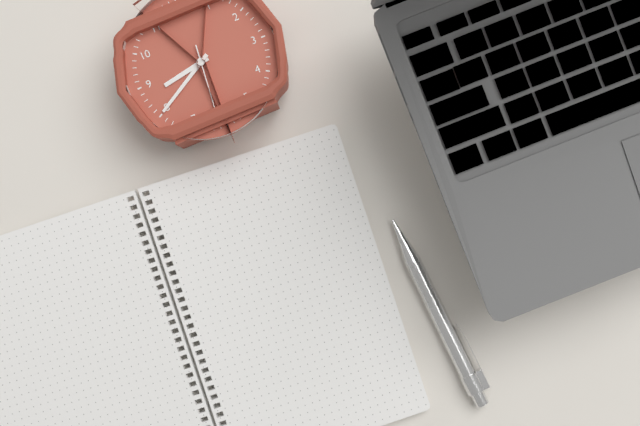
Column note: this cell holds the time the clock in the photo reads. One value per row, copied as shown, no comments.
8:40:31
